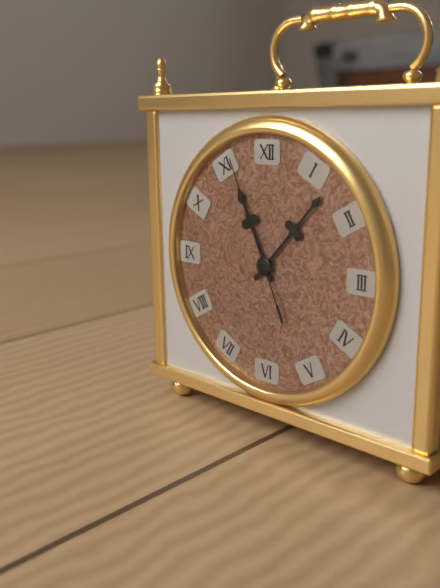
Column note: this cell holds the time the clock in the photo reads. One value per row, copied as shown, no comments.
11:07:56
